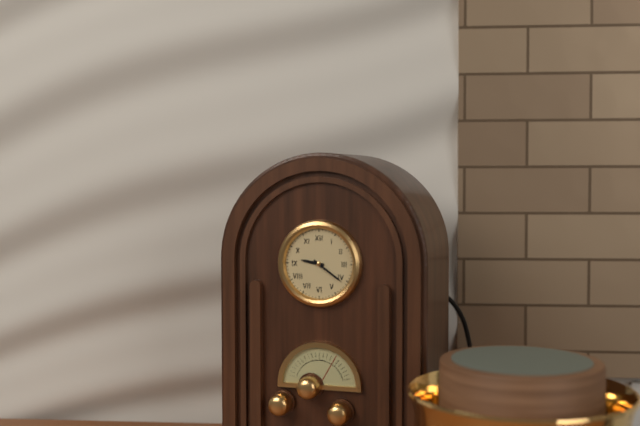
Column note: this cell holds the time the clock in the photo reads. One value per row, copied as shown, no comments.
9:21
